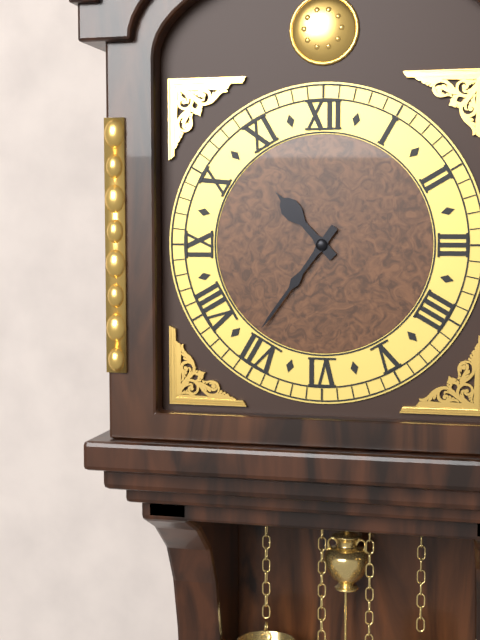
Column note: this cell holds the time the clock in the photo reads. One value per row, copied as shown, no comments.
10:36
